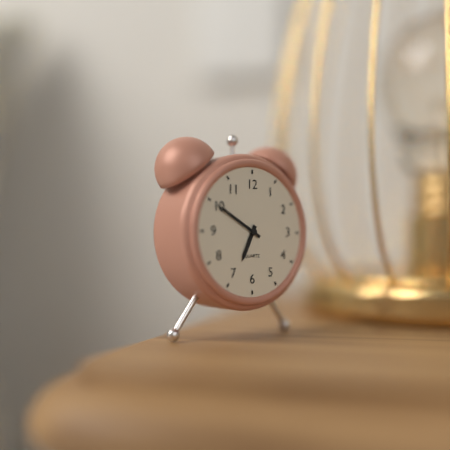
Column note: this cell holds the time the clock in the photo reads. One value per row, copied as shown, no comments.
6:50
